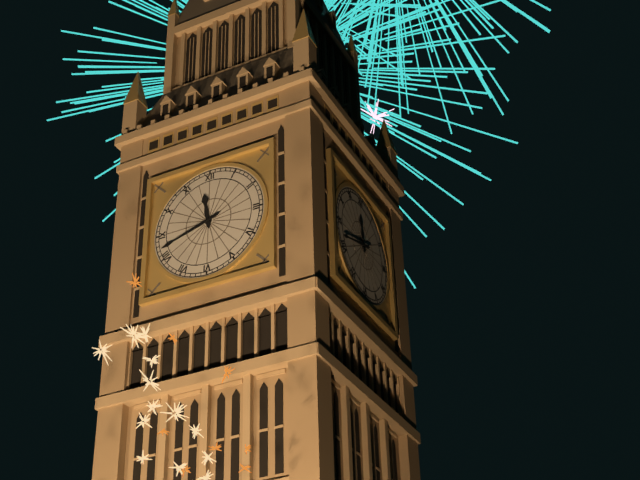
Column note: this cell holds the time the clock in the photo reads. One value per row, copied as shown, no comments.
11:42
